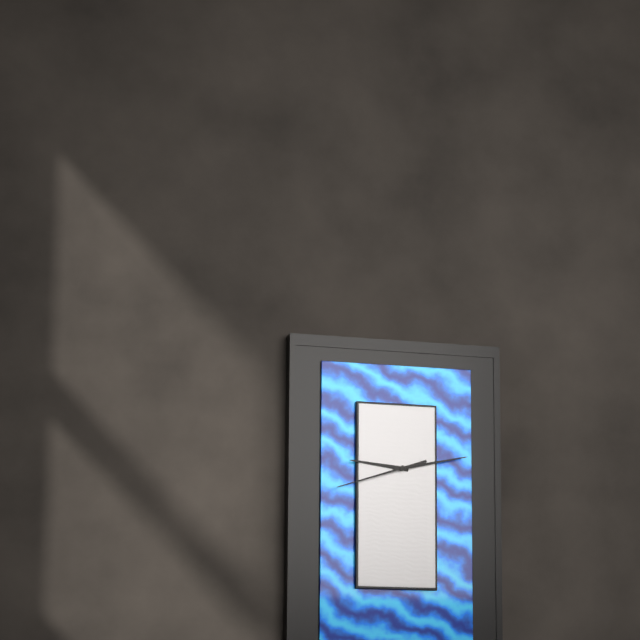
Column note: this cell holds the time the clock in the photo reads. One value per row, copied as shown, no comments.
9:13:42
